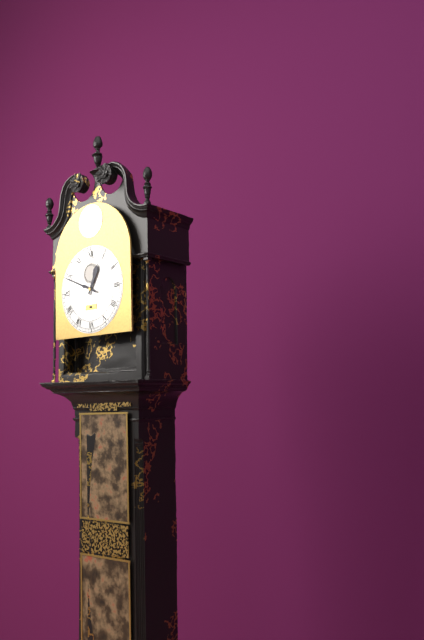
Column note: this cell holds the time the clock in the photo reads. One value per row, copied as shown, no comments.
12:49
